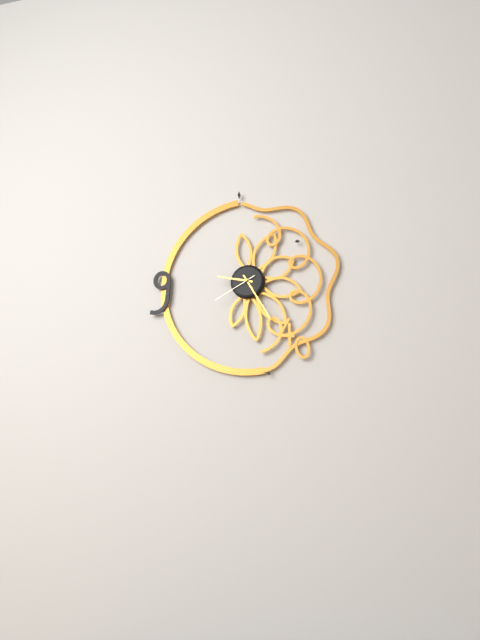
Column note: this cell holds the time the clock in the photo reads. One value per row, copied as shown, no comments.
9:25
